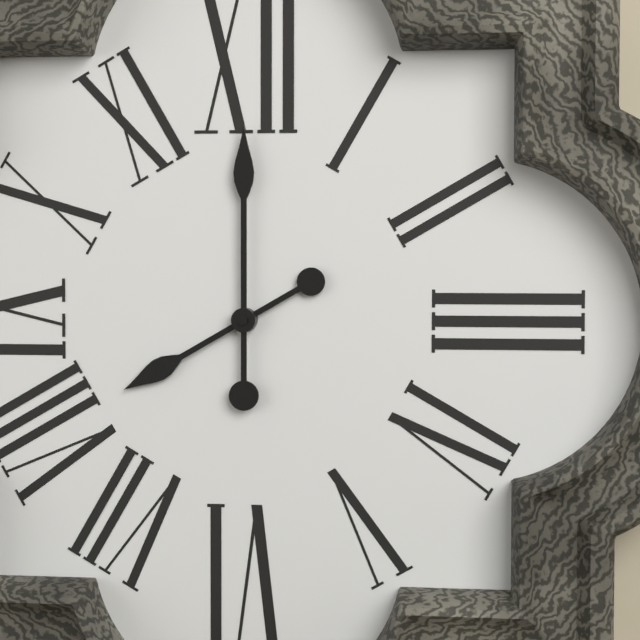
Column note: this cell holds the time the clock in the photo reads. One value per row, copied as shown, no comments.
8:00
